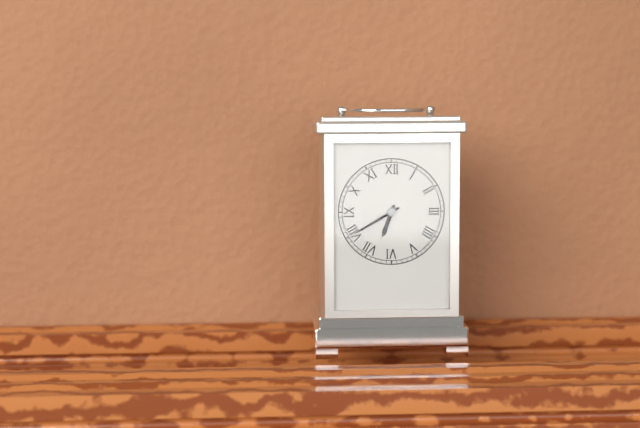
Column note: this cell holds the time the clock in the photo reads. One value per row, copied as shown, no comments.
6:40
